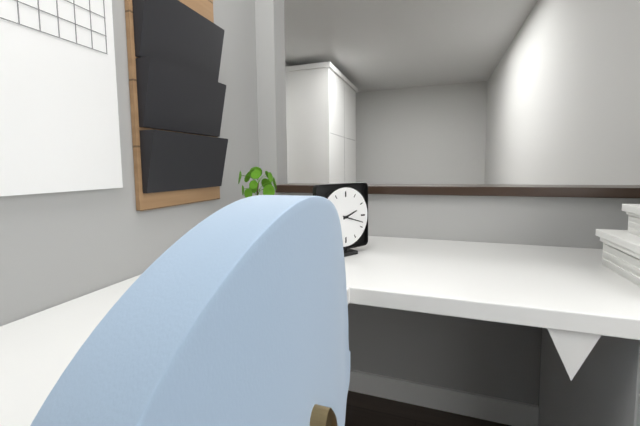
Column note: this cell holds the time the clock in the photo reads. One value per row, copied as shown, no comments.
2:18
